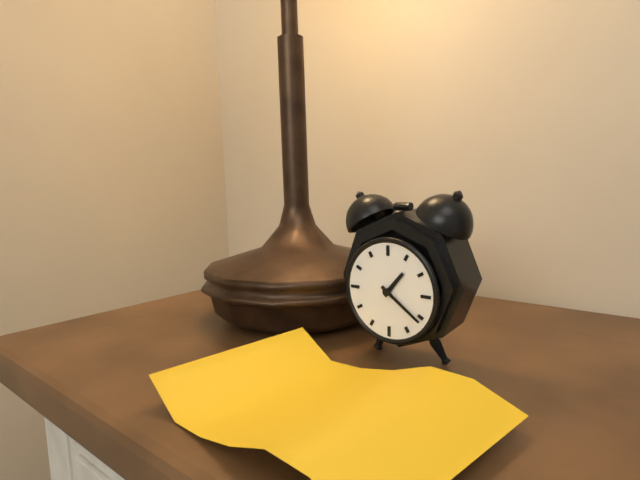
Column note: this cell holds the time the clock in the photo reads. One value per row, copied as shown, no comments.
1:21
